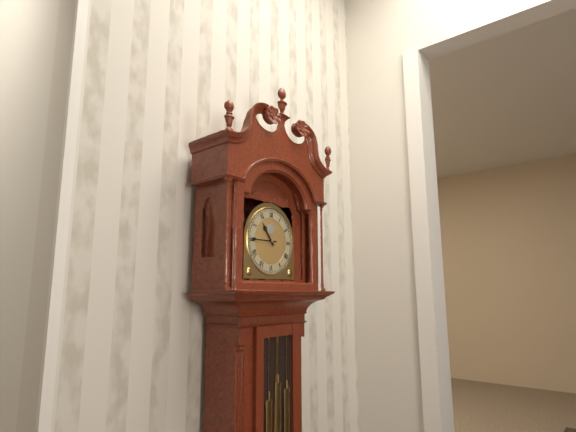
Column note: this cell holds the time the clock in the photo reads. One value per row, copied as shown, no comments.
10:45
